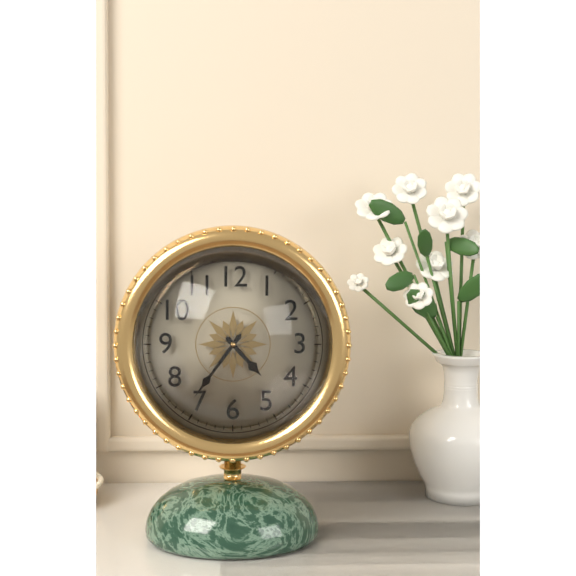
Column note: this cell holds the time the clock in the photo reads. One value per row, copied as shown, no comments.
4:36
